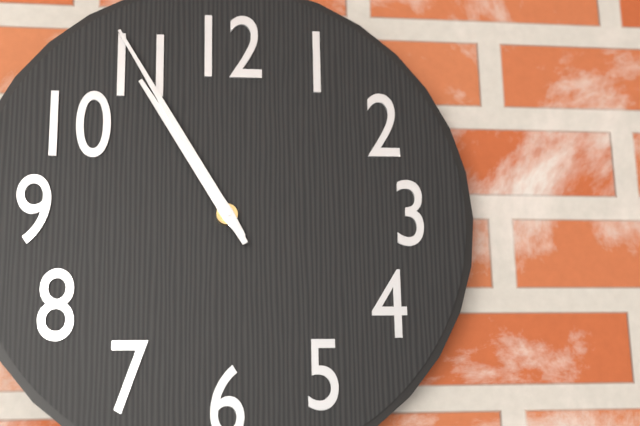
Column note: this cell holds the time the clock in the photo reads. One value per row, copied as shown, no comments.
10:55
